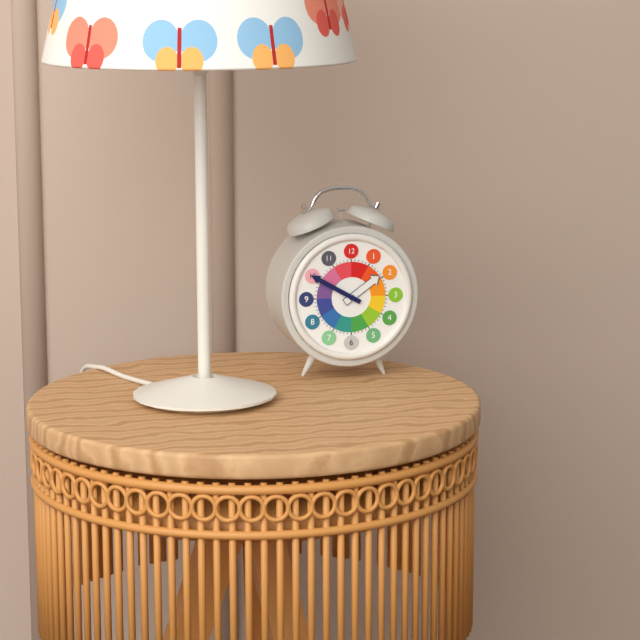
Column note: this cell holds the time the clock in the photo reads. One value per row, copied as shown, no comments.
1:50
